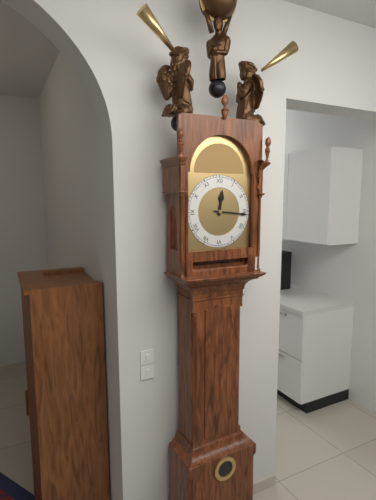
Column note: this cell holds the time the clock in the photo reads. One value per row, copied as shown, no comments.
12:16
